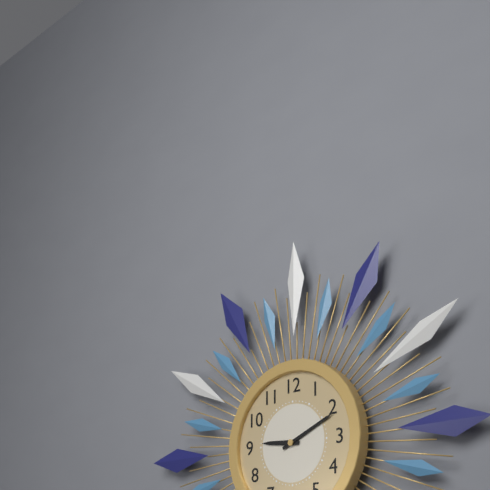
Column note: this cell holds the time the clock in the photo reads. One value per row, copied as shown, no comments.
9:11
